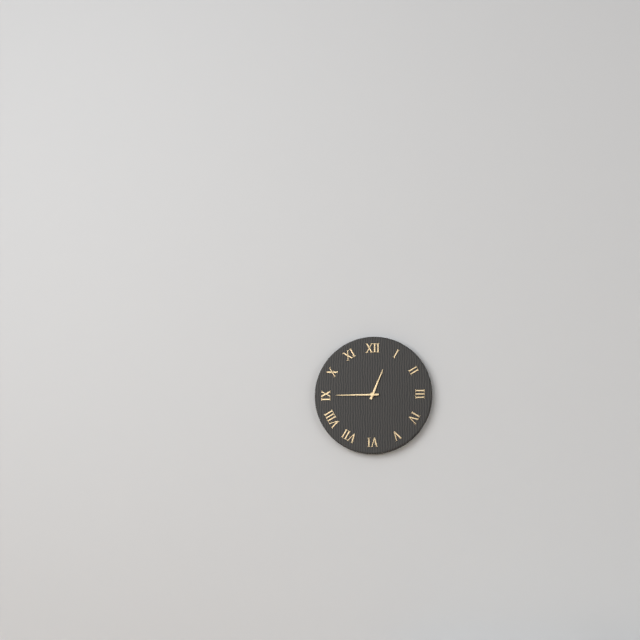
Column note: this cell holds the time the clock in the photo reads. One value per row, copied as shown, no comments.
12:45
